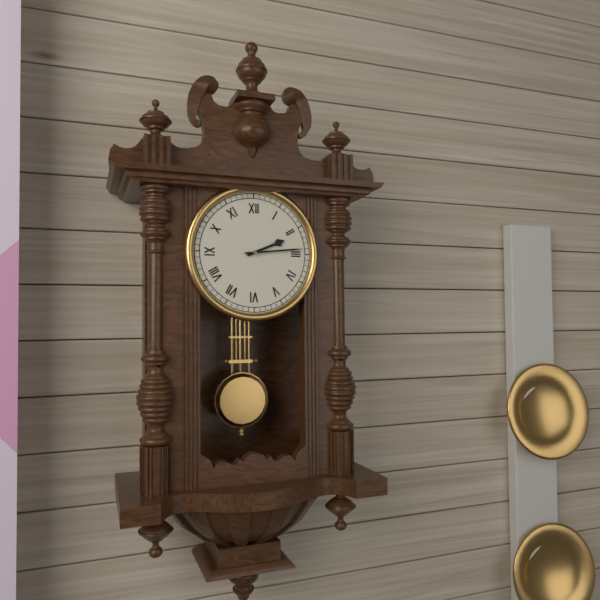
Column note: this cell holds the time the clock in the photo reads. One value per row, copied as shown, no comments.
2:14
